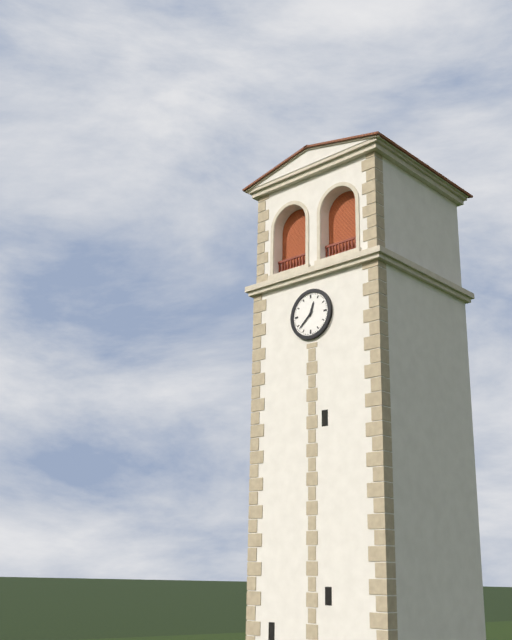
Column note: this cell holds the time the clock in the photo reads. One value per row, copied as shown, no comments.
12:38
